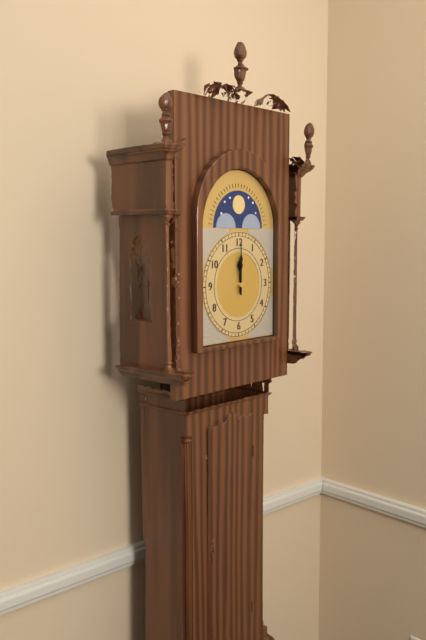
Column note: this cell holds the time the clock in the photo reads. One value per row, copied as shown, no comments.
12:00
